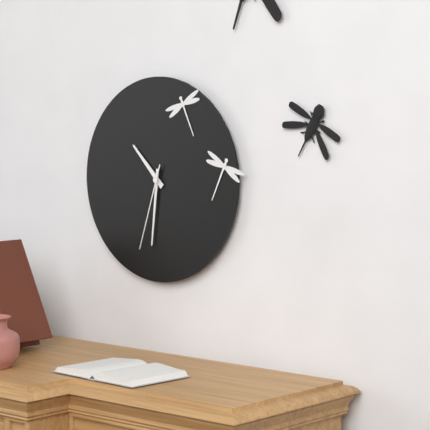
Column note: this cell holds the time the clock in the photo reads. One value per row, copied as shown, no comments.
10:31:33
